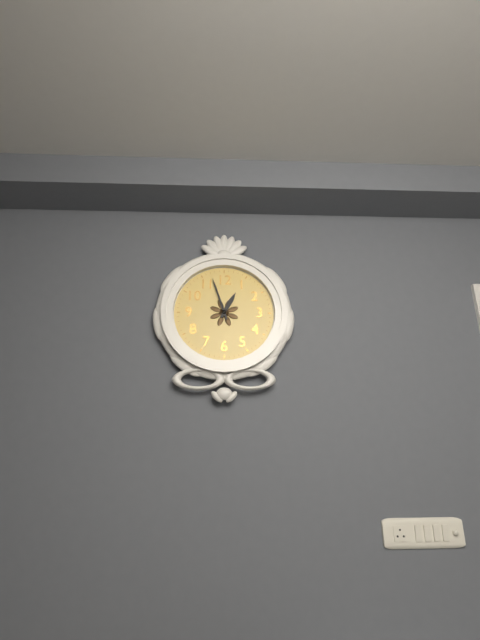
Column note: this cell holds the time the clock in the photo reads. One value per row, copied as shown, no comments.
12:57
